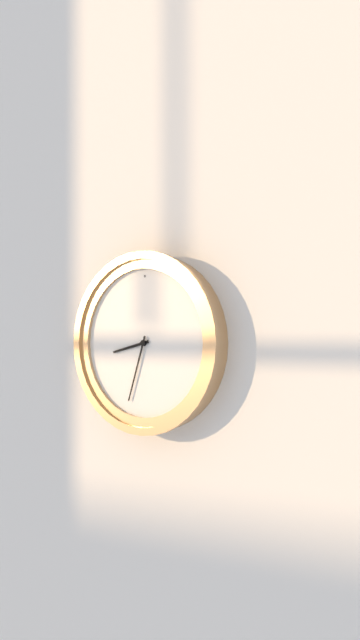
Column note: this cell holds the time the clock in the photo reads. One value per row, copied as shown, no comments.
8:33
